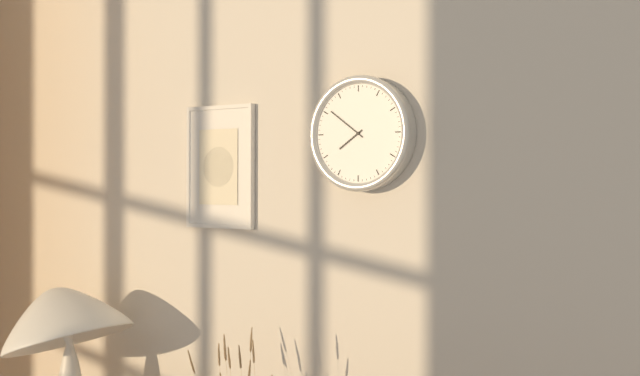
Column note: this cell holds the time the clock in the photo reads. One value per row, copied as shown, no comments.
7:51
